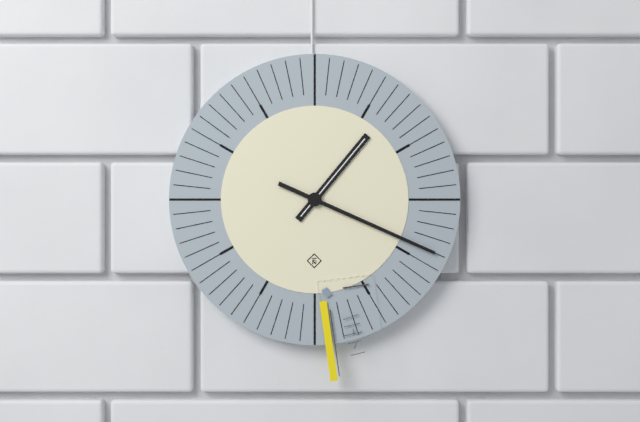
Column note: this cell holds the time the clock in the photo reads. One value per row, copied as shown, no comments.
1:19
